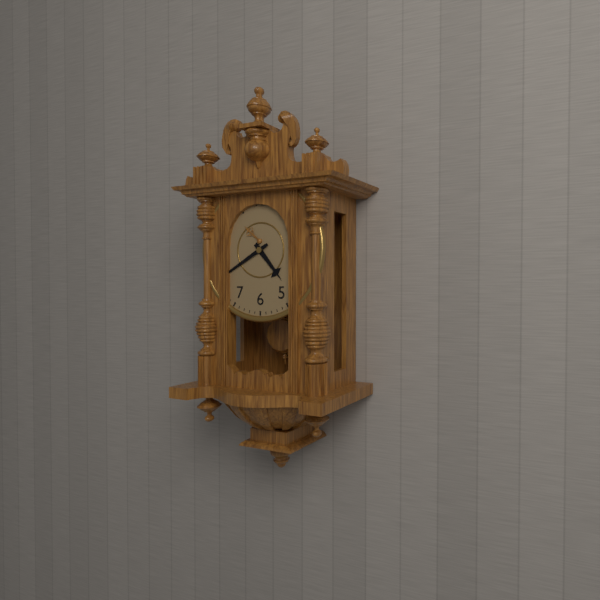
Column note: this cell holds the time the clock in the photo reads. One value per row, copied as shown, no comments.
4:40
